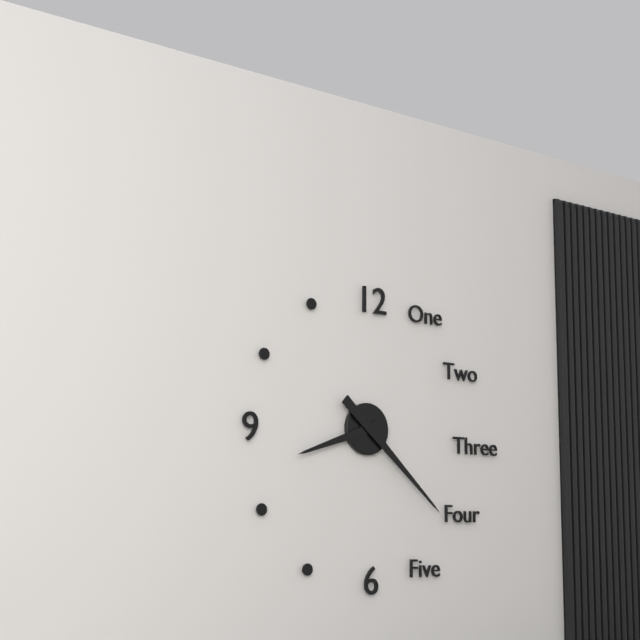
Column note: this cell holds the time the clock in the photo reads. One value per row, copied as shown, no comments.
8:22
